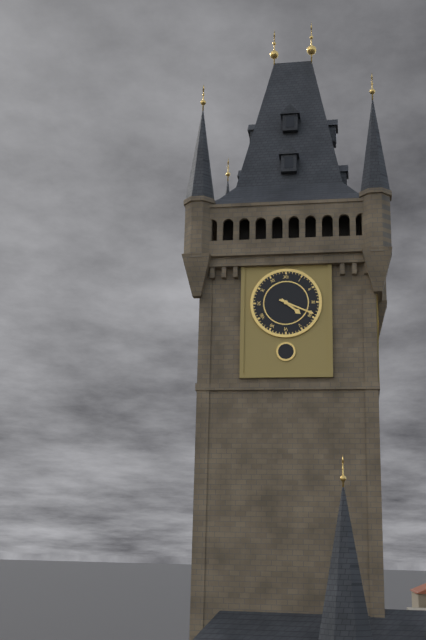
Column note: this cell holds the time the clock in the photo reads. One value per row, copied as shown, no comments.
4:19
